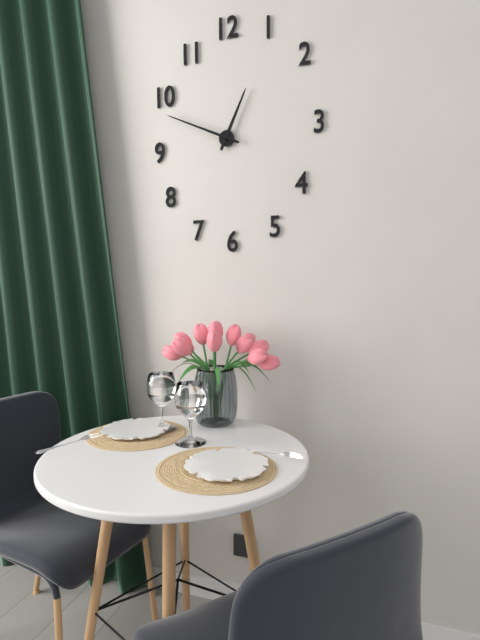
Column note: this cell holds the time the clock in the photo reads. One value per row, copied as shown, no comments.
12:49
